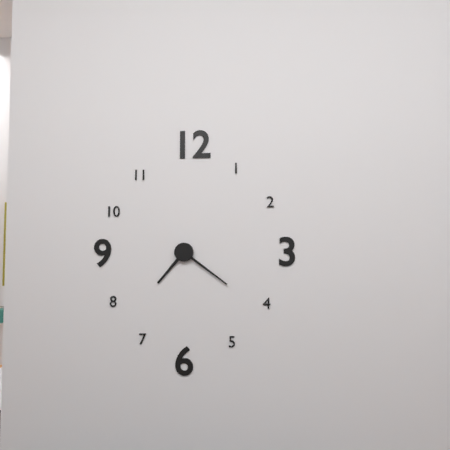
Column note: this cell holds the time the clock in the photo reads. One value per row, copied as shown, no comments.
7:21
